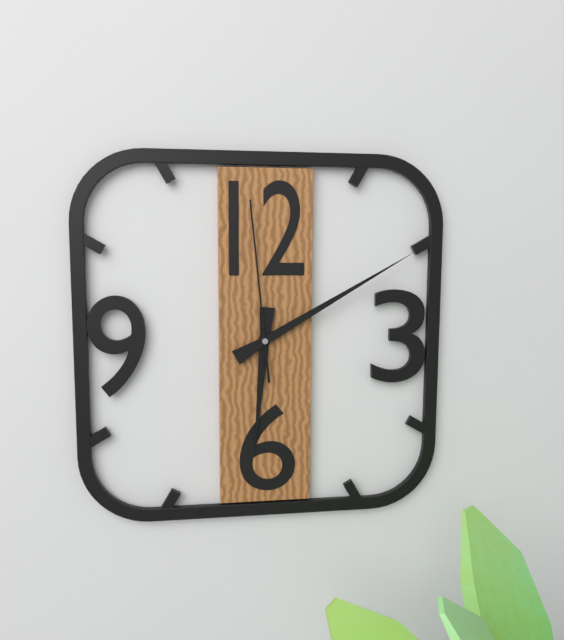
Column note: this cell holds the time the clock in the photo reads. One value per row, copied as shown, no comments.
6:10:59
